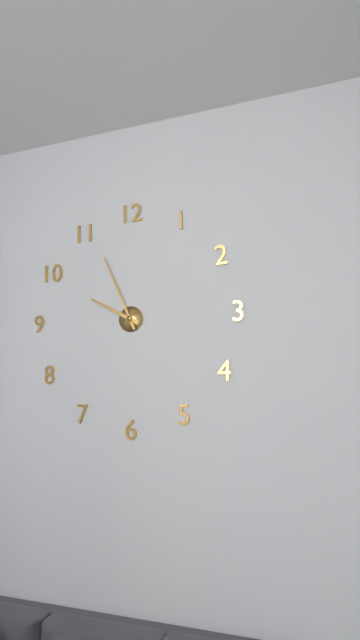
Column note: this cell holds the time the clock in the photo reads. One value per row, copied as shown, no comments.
9:56
